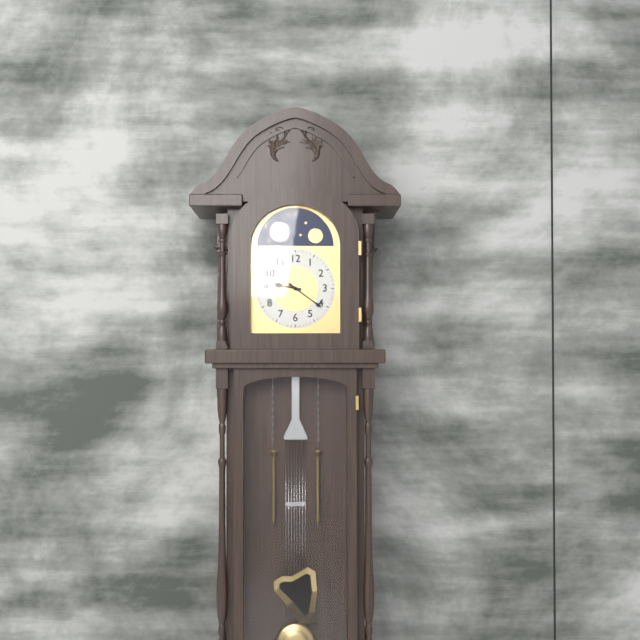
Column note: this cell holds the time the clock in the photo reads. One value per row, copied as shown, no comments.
9:21
